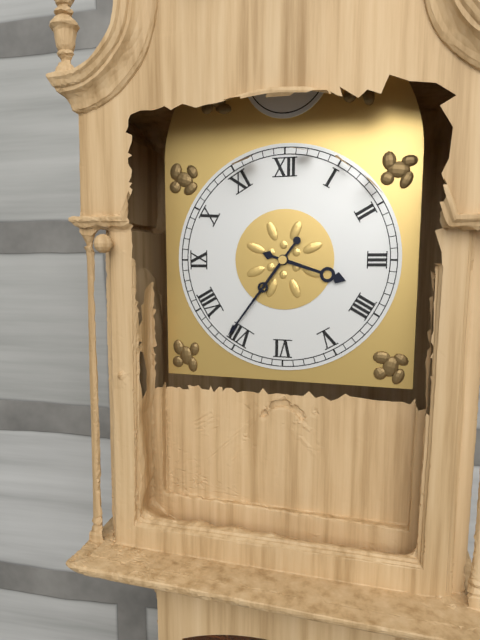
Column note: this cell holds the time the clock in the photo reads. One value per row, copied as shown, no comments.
3:36
